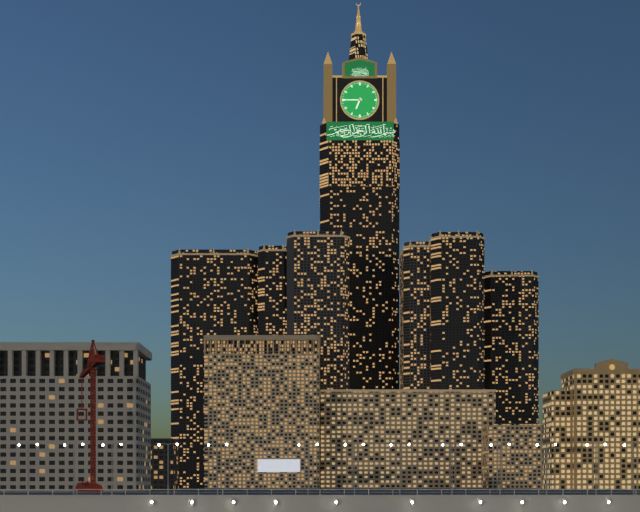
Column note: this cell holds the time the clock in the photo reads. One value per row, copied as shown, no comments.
6:45
